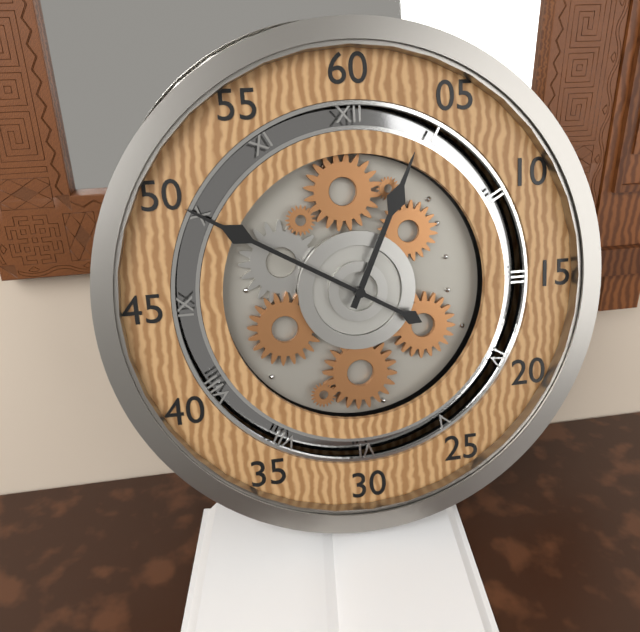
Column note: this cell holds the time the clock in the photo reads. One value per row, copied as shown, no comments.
12:50
